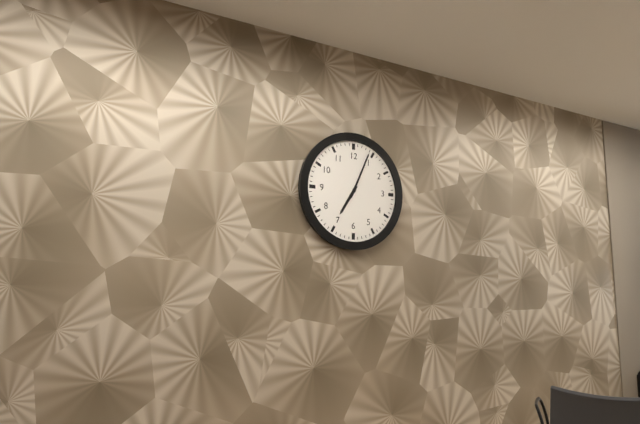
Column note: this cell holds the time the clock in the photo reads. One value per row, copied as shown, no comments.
7:04
